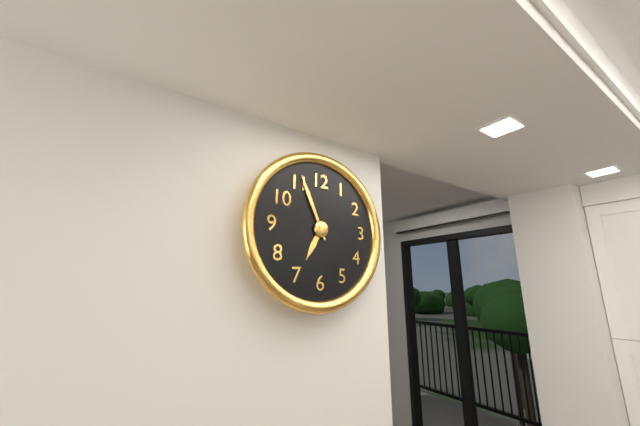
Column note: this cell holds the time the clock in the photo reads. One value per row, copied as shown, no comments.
6:56
